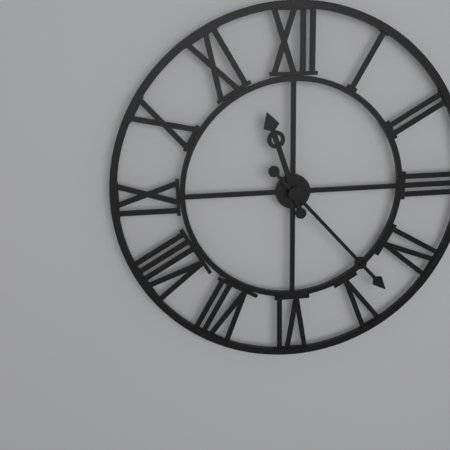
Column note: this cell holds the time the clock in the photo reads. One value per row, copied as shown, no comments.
11:23
